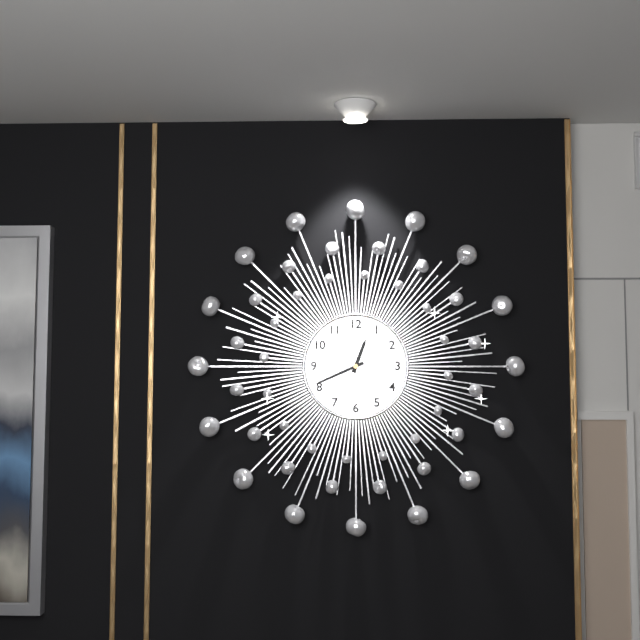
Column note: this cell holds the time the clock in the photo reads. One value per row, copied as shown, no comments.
12:41
